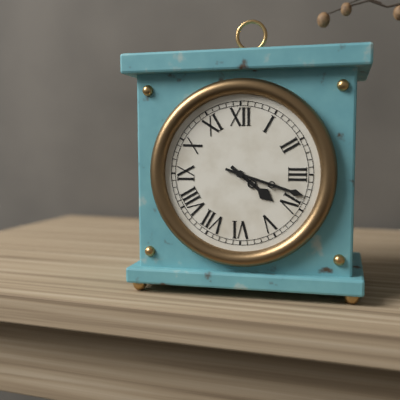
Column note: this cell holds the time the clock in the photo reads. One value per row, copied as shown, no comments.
4:18
